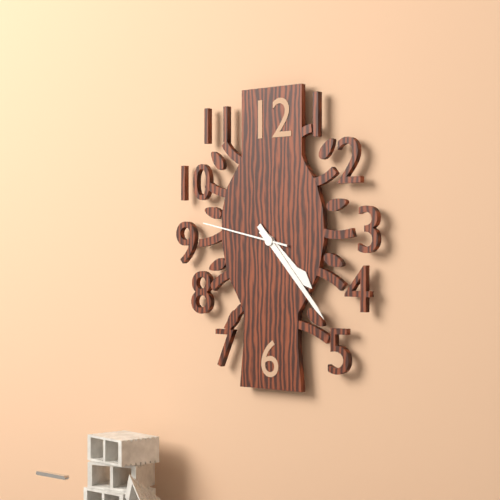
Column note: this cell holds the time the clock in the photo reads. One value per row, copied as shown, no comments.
4:23:47
